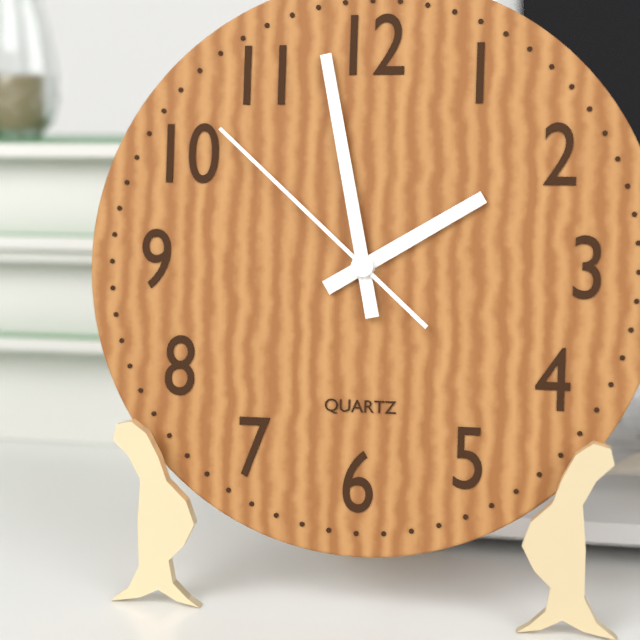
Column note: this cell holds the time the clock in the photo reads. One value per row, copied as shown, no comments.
1:58:52
